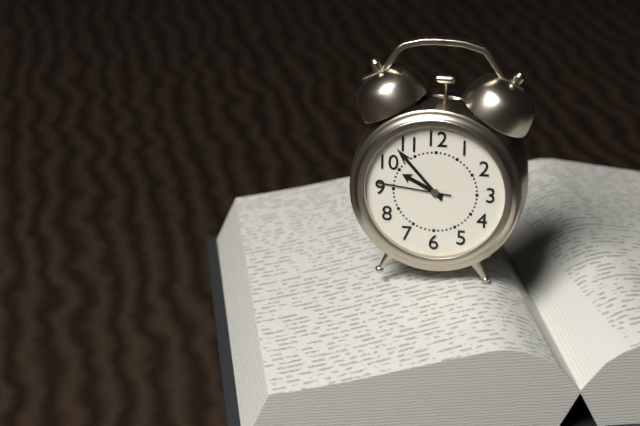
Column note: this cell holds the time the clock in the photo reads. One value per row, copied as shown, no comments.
9:53:46
